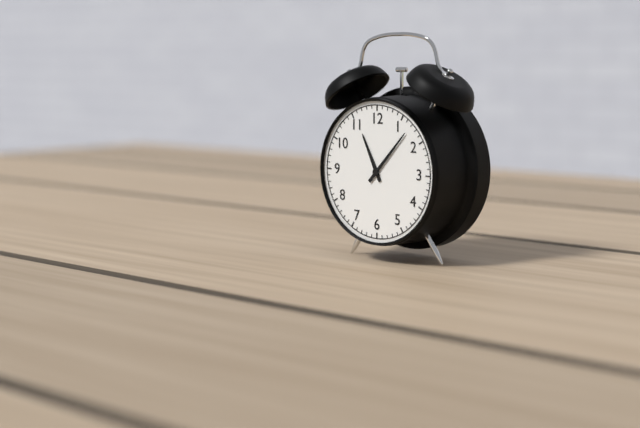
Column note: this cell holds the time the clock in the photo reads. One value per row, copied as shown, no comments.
11:07
